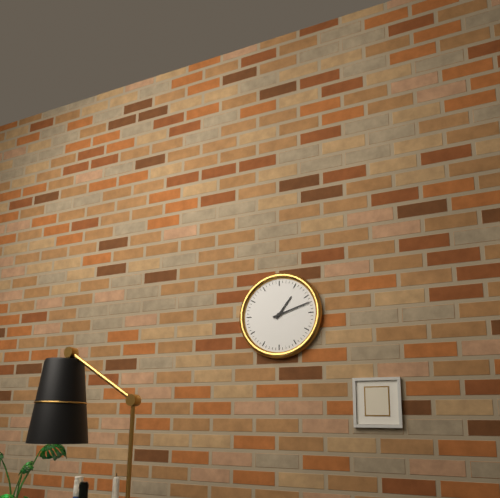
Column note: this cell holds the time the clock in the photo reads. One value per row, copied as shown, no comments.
1:12
